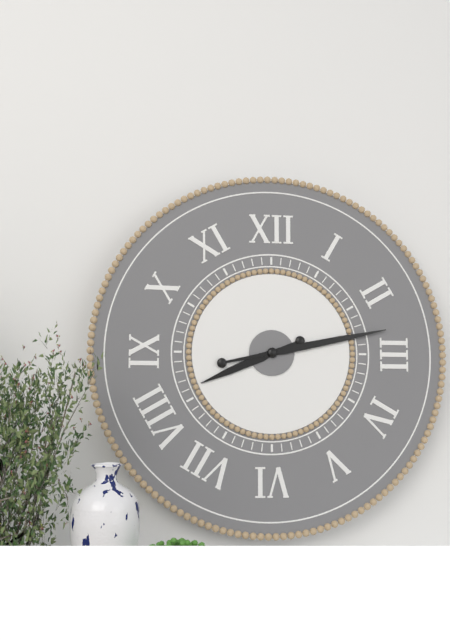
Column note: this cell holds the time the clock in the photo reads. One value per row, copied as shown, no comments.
8:13
